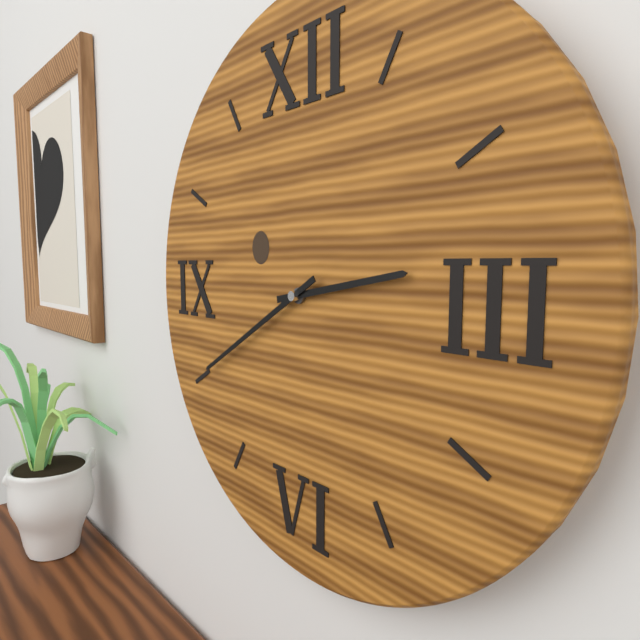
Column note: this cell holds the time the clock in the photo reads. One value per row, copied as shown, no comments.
2:40
